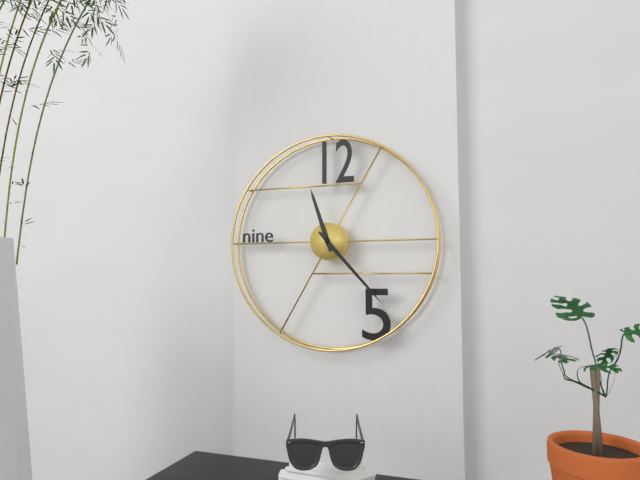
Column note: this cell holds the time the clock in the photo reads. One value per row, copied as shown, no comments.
11:23
